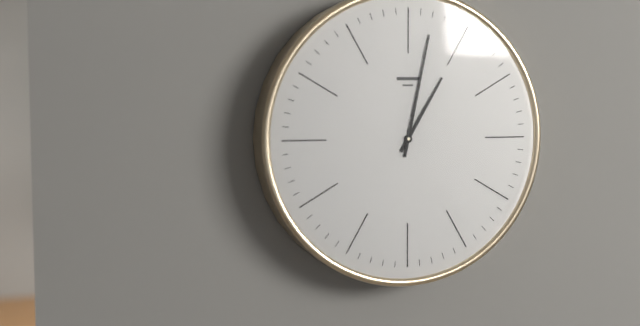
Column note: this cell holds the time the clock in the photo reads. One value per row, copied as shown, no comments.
1:02
